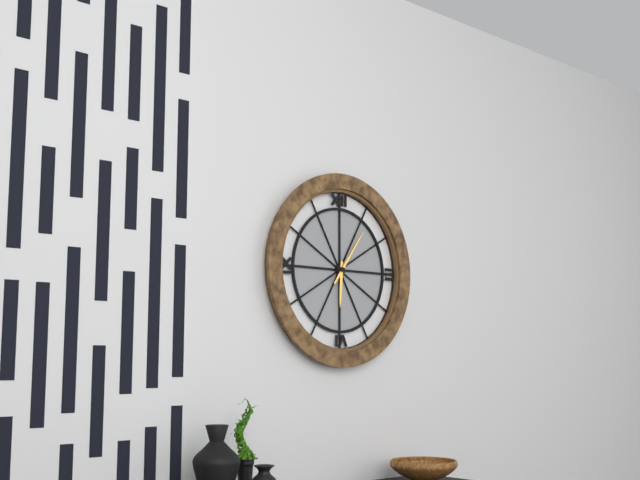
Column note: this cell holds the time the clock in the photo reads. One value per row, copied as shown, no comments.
6:06
